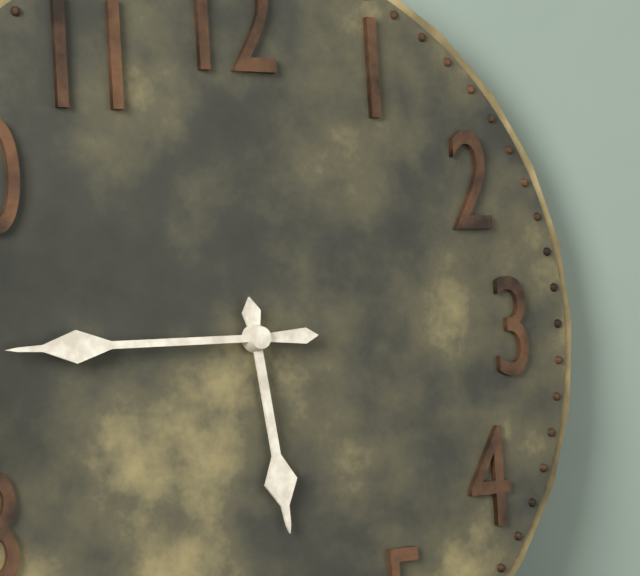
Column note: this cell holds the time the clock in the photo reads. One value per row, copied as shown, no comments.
5:45
